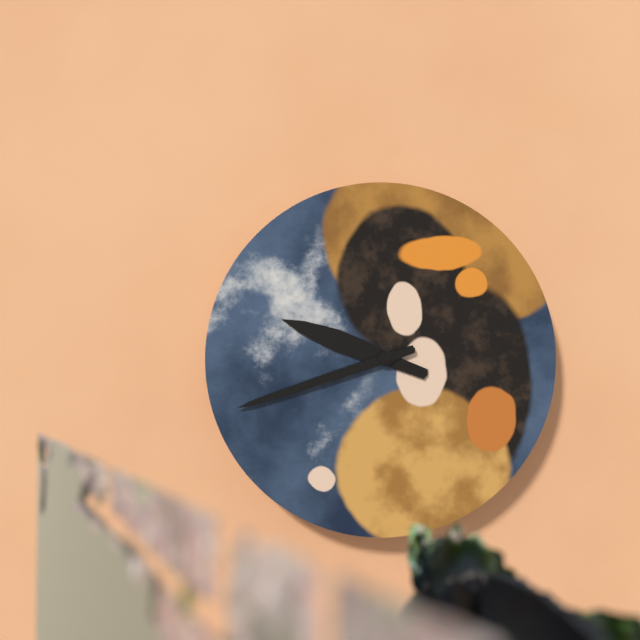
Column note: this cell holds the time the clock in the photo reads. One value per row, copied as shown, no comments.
9:42
